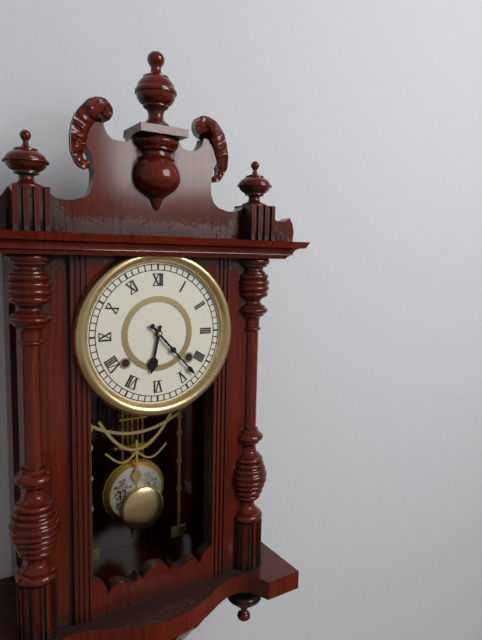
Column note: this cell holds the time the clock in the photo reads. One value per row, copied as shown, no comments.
6:23
